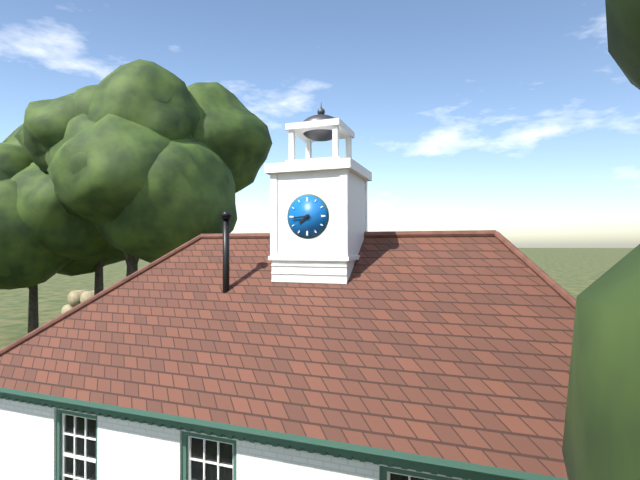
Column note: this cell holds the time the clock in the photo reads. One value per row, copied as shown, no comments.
7:44
